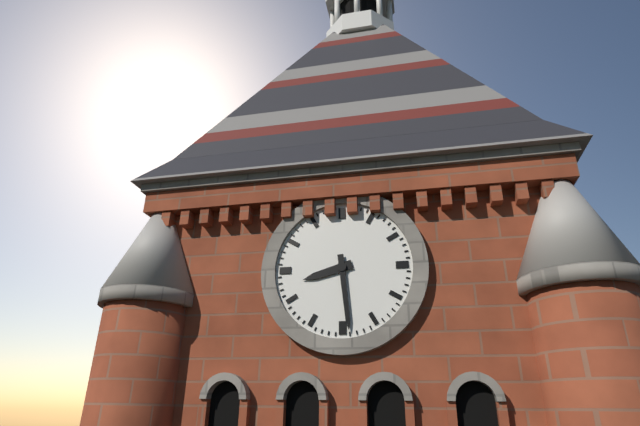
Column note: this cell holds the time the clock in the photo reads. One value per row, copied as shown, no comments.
8:29
